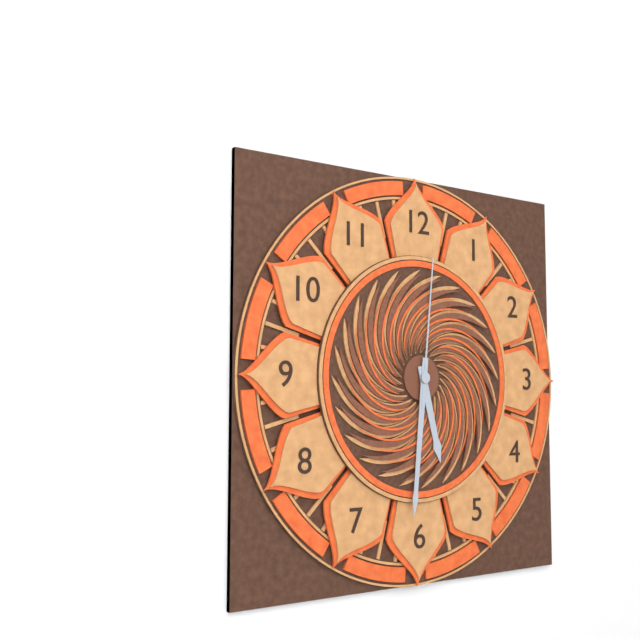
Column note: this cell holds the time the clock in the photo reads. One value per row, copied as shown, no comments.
5:31:01
